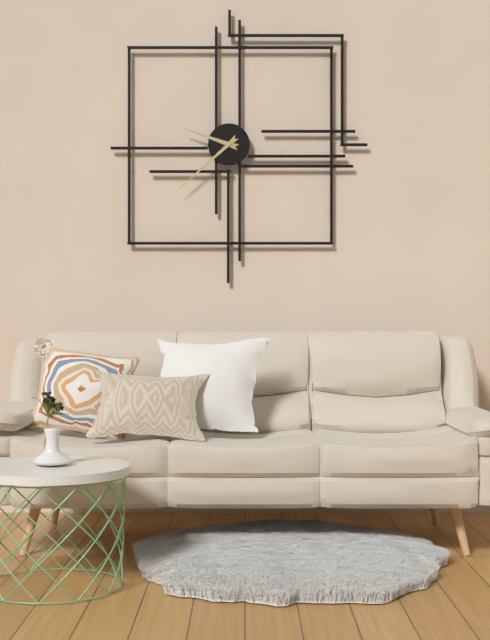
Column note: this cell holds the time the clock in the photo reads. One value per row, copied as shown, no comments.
9:38
